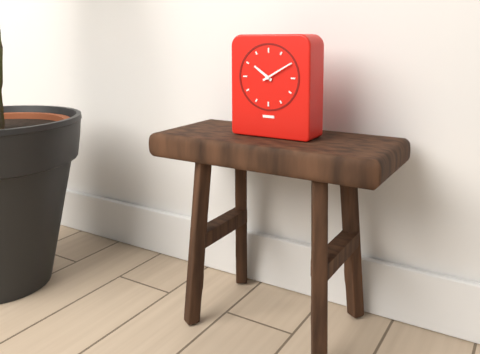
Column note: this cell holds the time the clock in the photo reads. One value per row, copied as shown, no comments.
10:10
